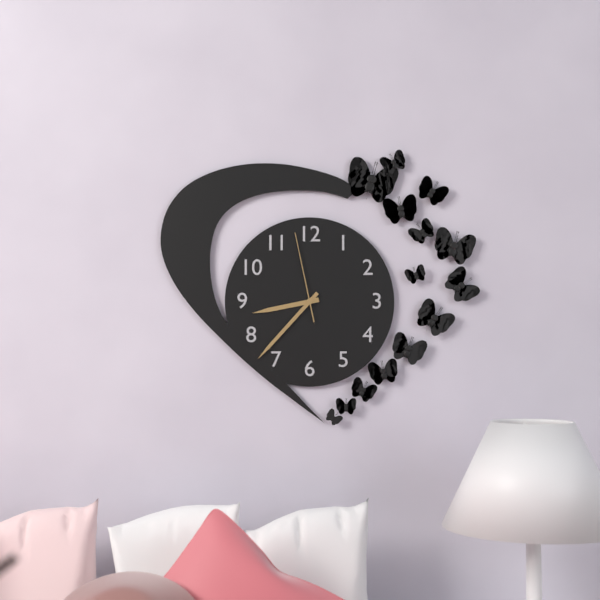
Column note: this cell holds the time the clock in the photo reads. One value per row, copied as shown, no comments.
8:37:58
